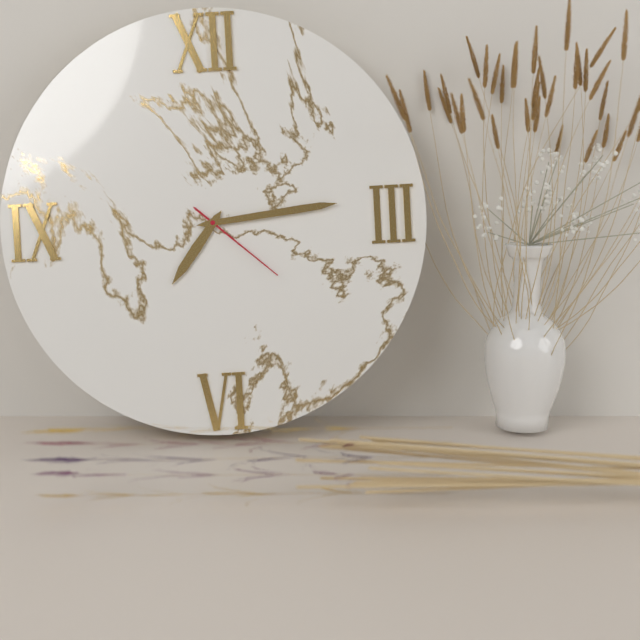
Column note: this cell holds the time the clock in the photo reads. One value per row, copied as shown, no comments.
7:14:22
